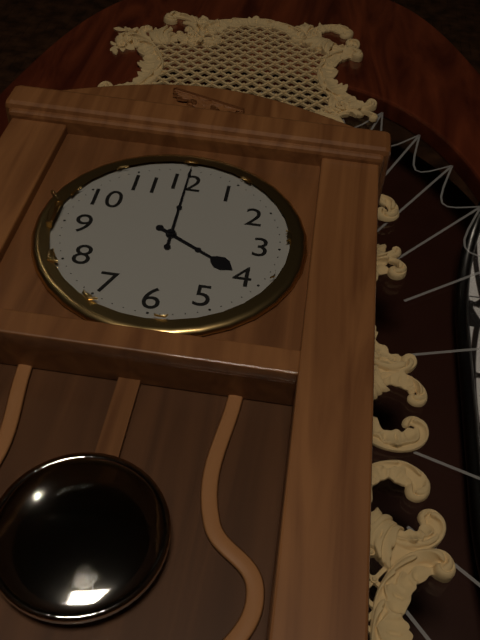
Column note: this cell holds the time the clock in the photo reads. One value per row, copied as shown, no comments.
4:00
